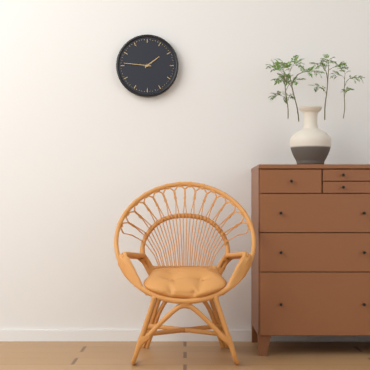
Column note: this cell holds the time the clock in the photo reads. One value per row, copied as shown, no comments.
1:46
